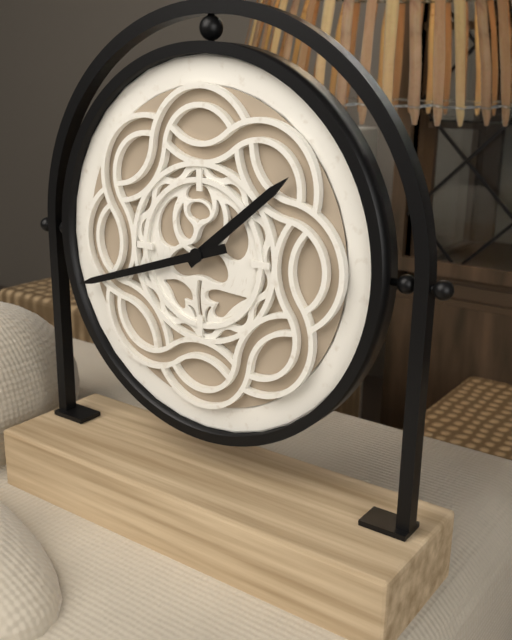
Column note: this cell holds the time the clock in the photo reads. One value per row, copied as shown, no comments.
1:42
